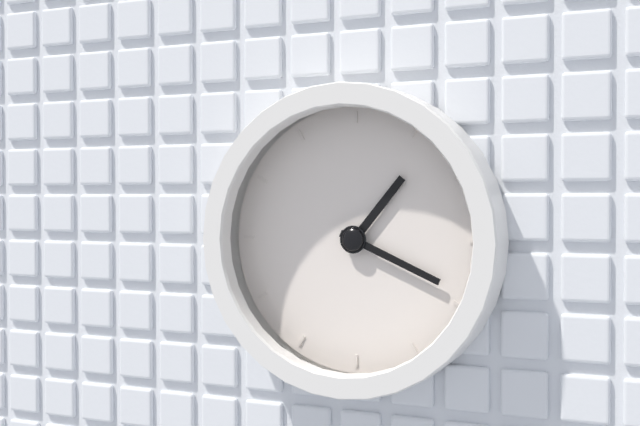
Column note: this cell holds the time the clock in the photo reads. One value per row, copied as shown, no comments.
1:19
